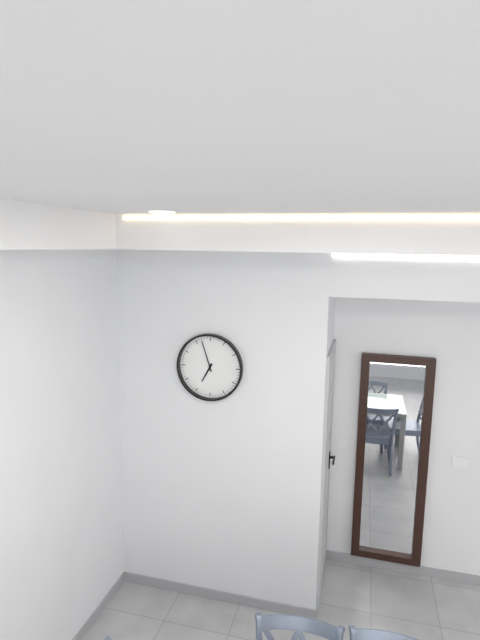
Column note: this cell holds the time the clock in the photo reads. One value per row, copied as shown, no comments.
6:57
